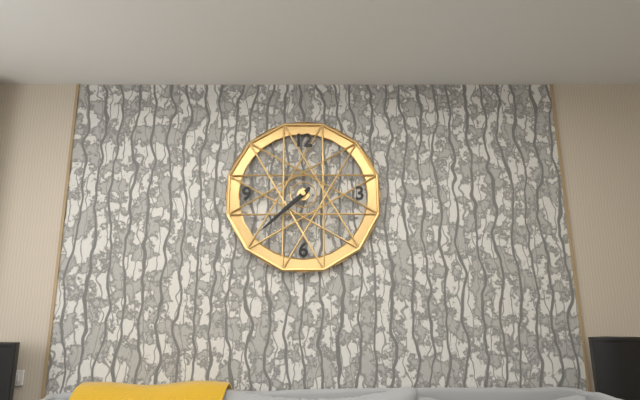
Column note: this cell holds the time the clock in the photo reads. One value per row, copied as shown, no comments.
7:38
